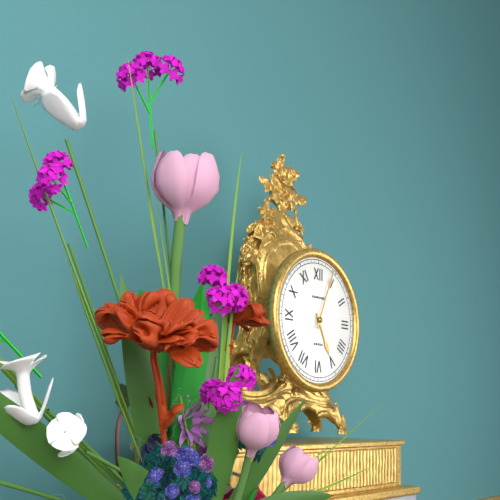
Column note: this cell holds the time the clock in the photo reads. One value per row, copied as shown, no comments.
5:04
